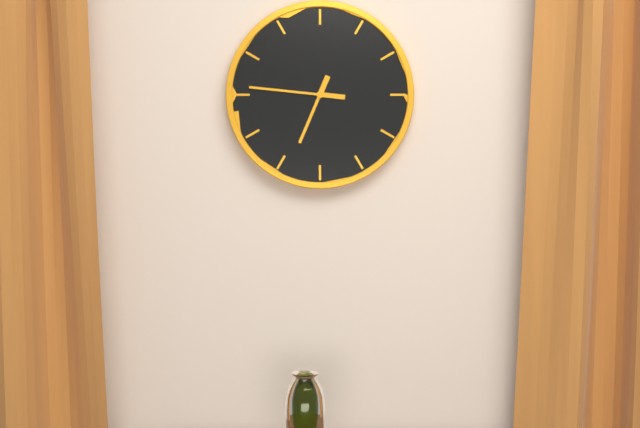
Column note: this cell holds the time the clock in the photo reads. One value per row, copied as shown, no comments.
6:46
